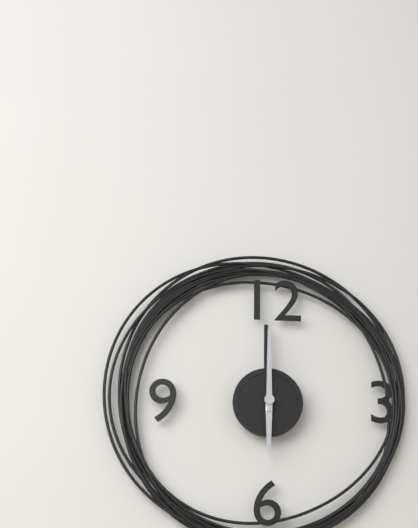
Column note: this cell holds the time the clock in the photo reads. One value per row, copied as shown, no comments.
6:00
